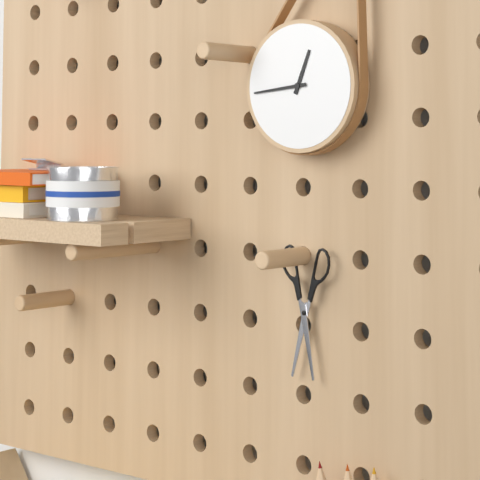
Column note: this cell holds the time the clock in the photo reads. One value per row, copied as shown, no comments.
12:44
